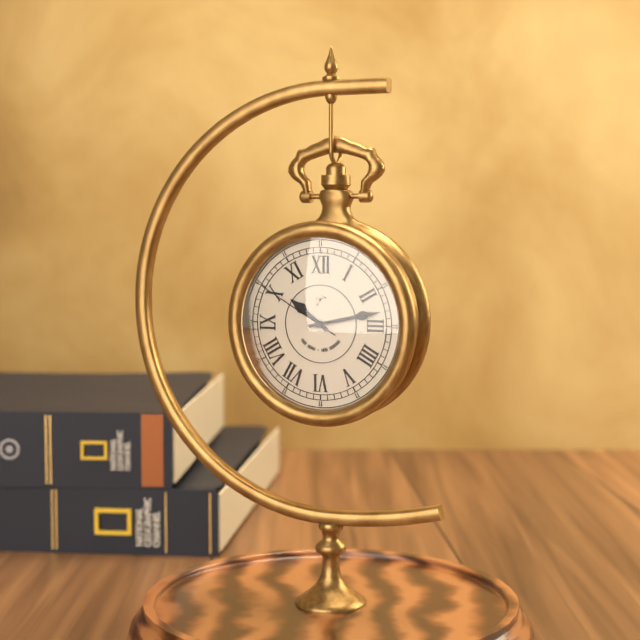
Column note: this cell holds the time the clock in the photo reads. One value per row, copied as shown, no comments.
10:13:50
